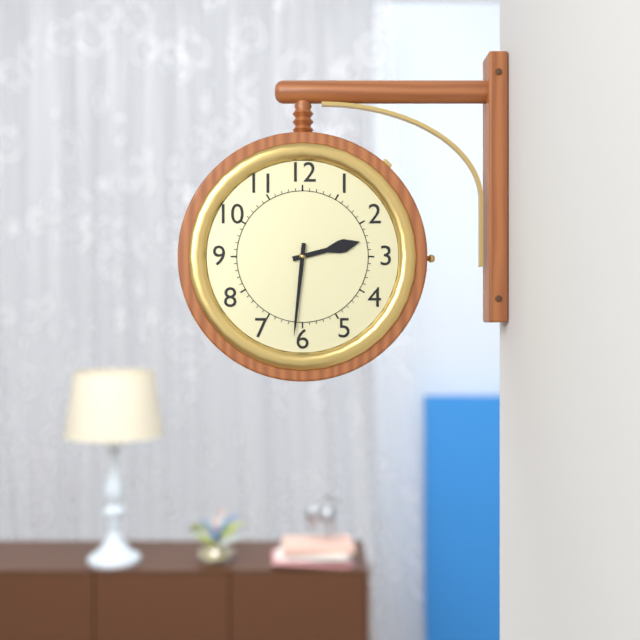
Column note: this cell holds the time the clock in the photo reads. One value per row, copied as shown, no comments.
2:31
